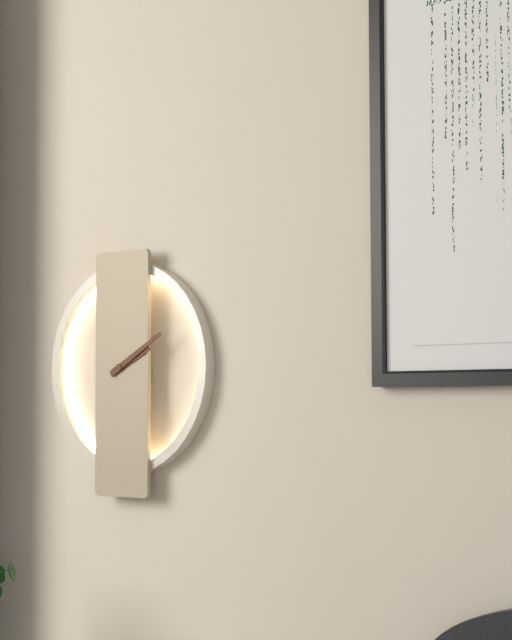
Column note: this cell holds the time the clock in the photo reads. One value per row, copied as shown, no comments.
2:10
